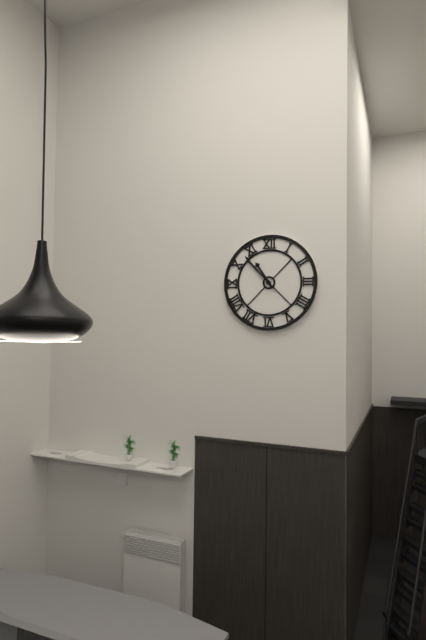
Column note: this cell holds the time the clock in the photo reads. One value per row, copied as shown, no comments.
10:53
